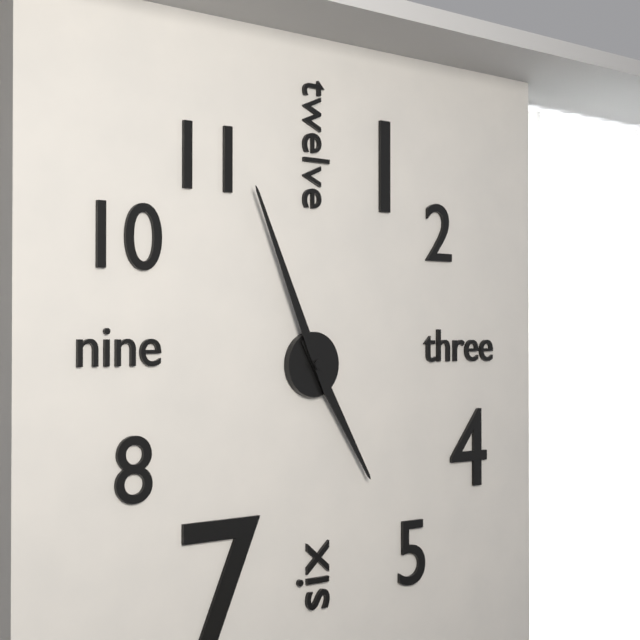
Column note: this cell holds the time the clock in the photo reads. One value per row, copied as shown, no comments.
4:56
